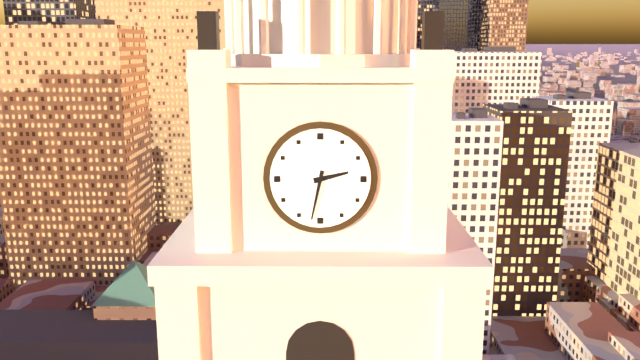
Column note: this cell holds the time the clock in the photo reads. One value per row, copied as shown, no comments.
2:32
